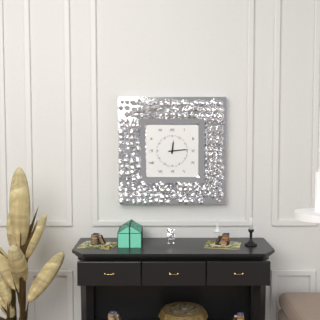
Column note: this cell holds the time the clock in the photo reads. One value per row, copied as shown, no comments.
12:14
